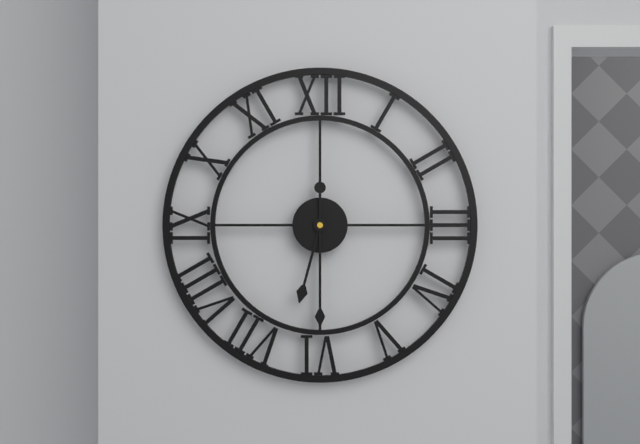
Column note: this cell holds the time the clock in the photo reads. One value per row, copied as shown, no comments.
6:30
